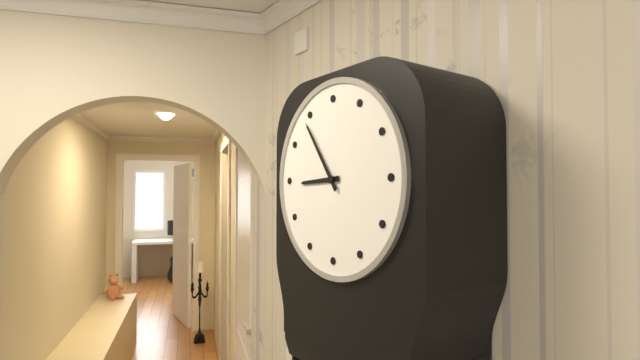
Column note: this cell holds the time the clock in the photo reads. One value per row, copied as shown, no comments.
8:54
